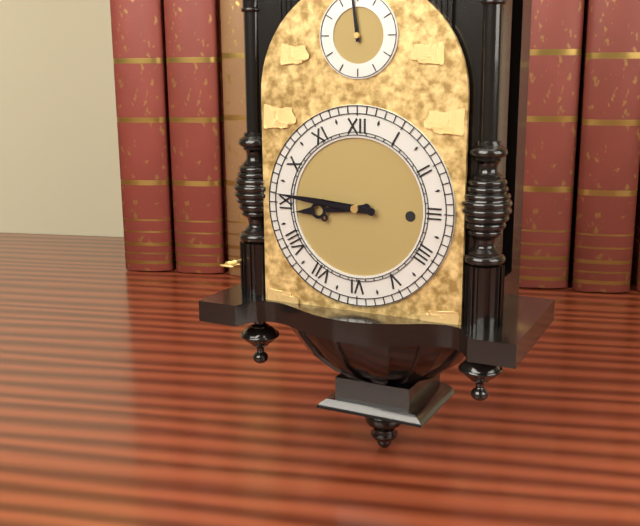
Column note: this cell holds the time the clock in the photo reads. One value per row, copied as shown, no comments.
8:46
